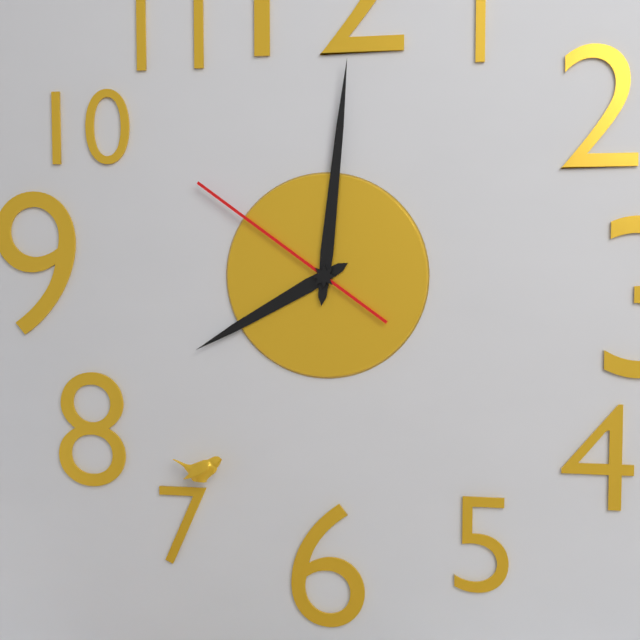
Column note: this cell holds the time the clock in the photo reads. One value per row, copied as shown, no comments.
8:01:51
